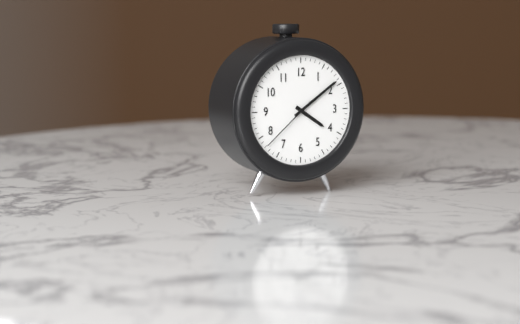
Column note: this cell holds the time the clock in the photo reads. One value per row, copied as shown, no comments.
4:09:38
